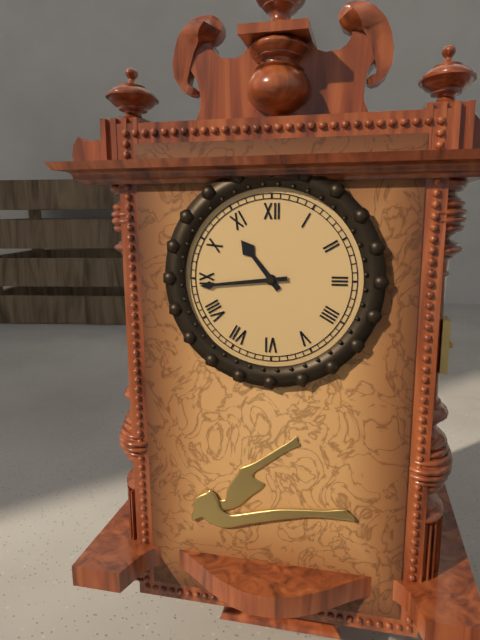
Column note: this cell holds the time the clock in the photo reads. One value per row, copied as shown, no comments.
10:44
